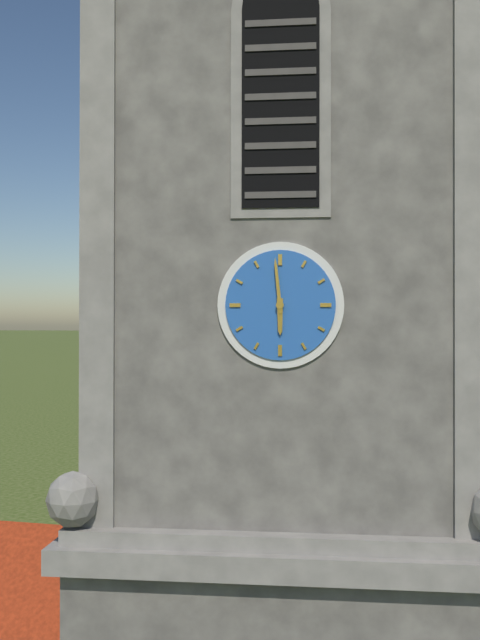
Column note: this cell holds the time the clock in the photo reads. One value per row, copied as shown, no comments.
5:59
